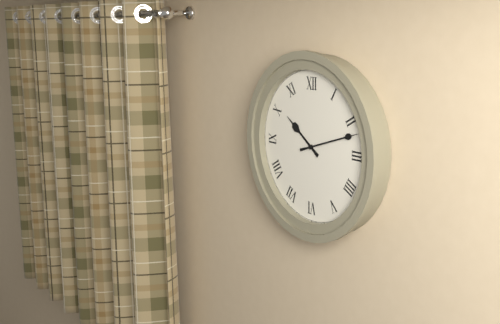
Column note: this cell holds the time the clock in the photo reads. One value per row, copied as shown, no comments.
10:12
